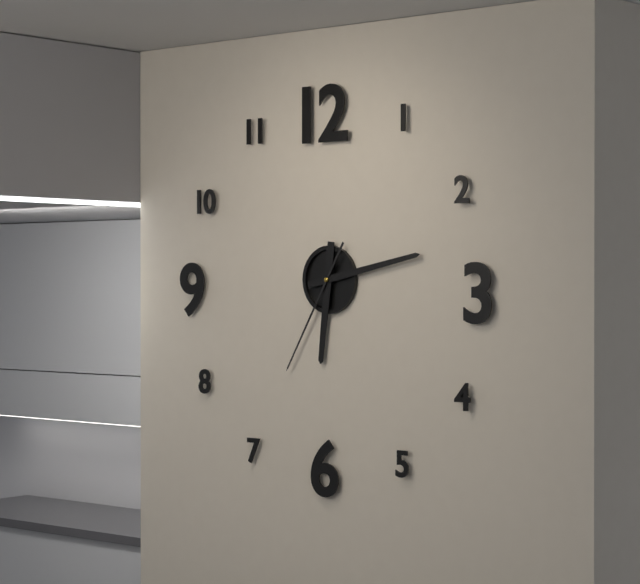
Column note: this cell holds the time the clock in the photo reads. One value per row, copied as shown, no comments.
6:13:35
